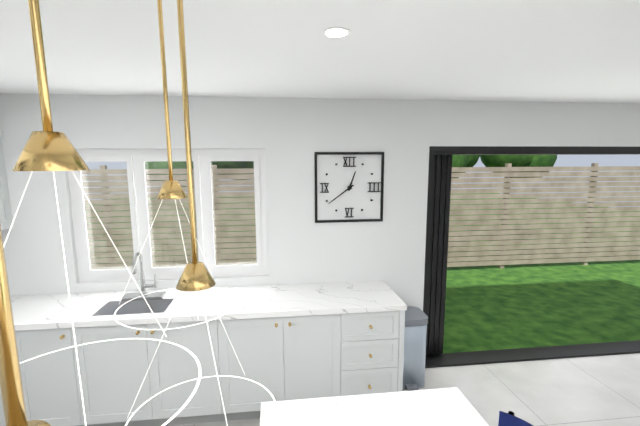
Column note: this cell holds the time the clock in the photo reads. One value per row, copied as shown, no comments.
12:39
